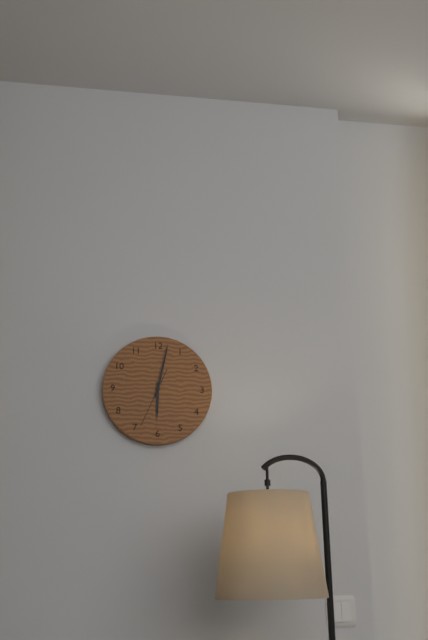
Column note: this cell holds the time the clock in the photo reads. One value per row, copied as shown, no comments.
6:02:34
